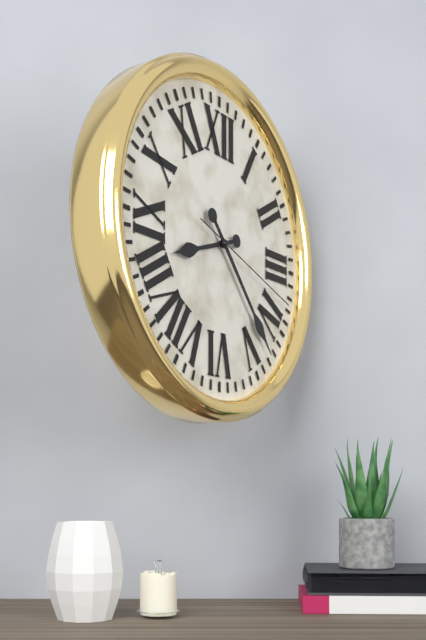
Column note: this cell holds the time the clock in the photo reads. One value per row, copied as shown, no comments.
8:23:18
